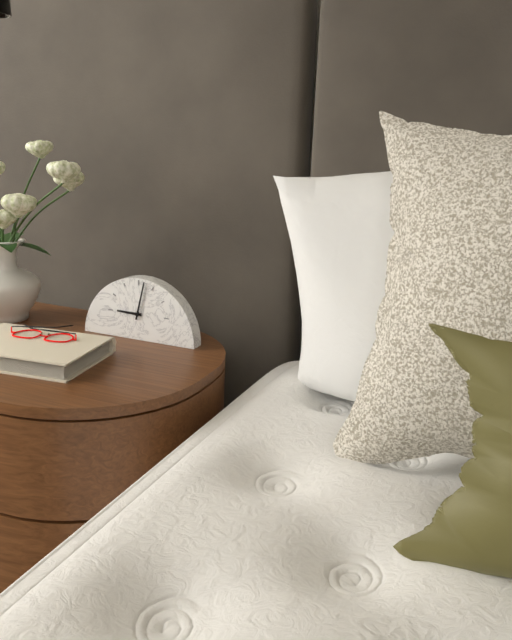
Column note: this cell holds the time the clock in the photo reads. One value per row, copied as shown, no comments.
9:02
